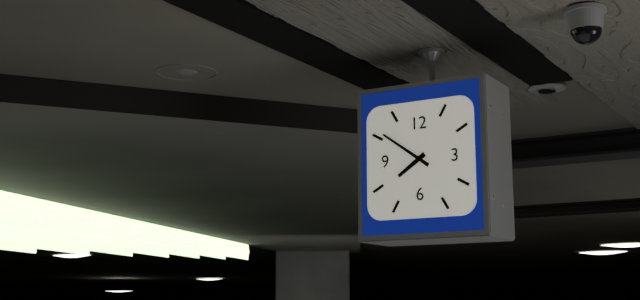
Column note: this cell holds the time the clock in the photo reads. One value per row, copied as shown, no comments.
7:51
